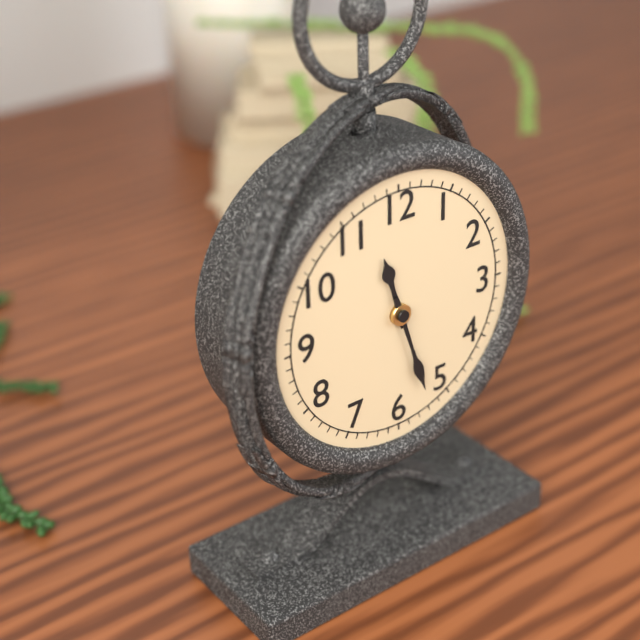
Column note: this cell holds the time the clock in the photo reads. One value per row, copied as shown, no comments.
11:27
